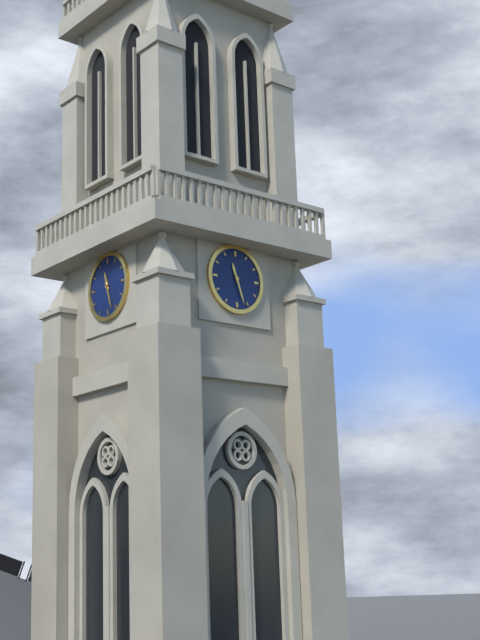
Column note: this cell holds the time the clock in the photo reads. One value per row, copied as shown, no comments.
11:27
